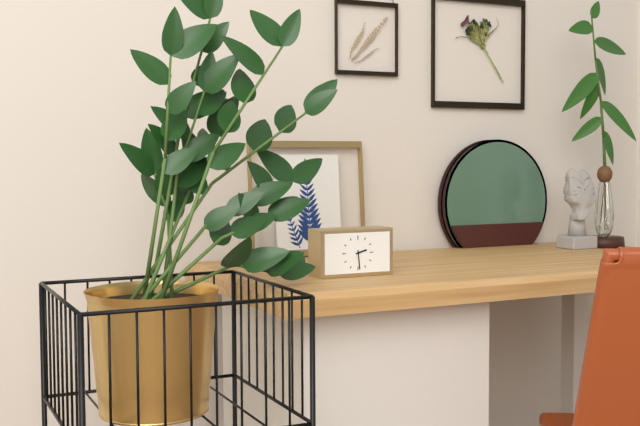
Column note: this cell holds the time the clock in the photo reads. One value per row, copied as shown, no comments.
2:29
